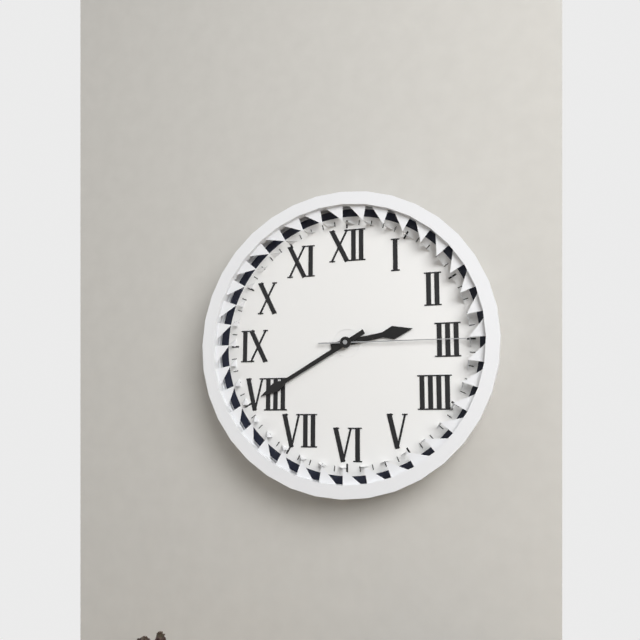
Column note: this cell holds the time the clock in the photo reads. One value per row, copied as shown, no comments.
2:40:15
